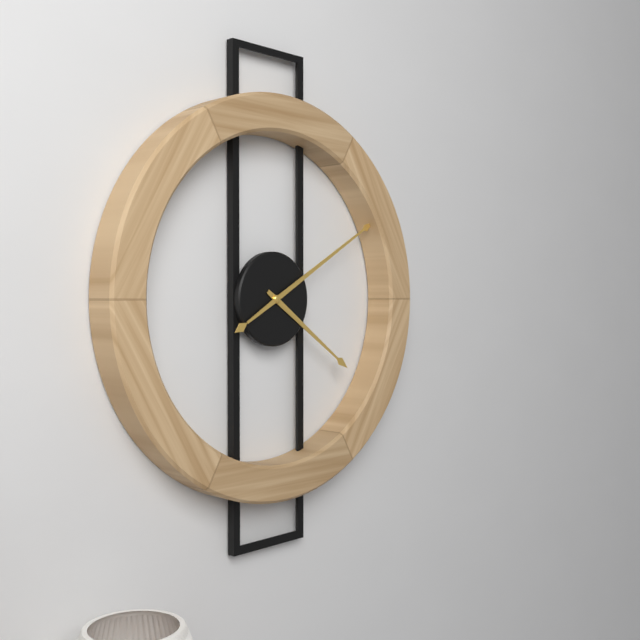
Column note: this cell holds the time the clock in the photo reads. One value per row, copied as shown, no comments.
4:10
